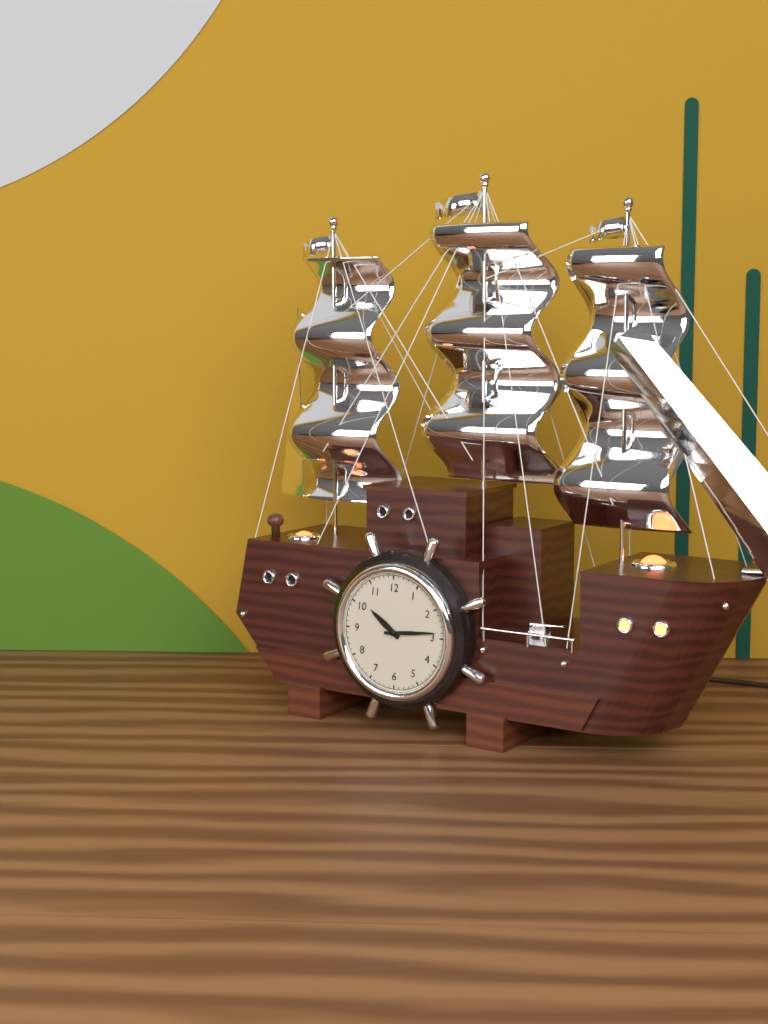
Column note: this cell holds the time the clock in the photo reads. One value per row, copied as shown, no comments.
10:14
